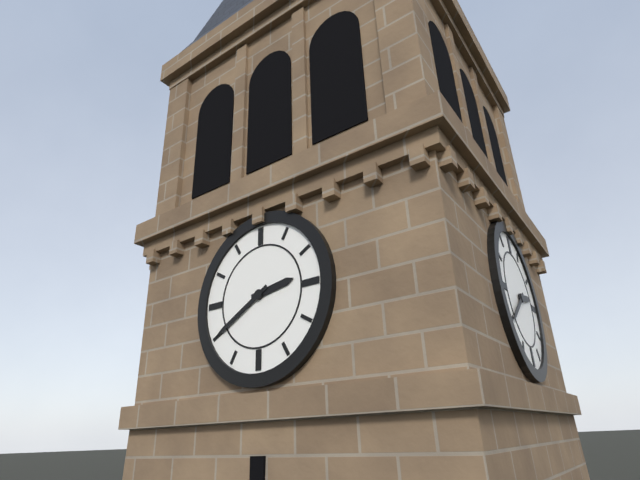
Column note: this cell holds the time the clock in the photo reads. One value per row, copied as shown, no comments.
2:40
